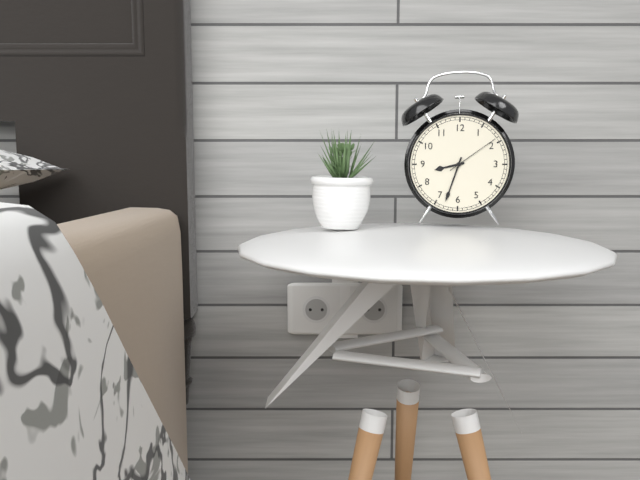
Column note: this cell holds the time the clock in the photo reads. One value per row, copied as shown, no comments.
8:33:09
